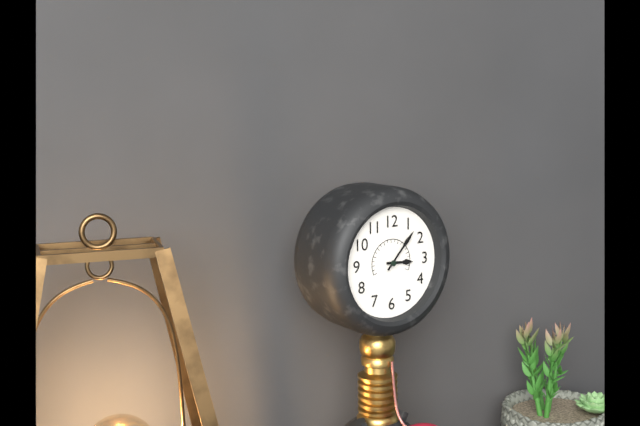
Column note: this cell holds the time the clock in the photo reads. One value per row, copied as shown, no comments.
3:07
